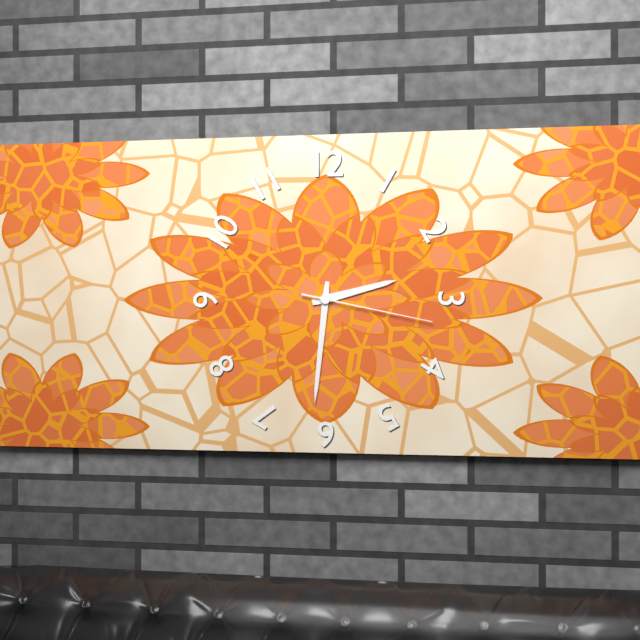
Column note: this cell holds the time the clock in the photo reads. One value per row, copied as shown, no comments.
2:31:17
